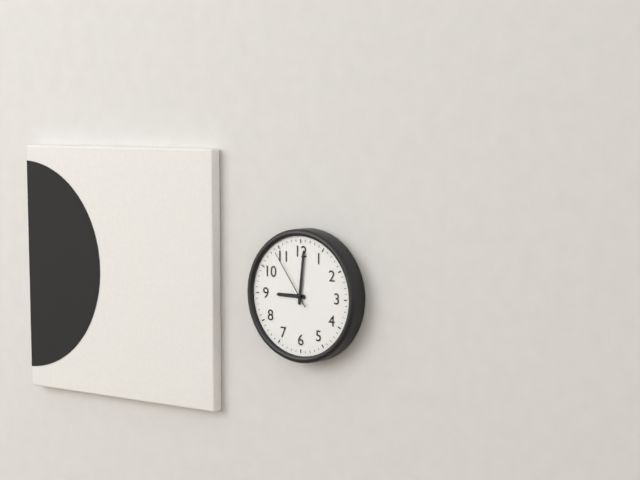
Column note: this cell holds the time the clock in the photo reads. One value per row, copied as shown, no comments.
9:01:54
